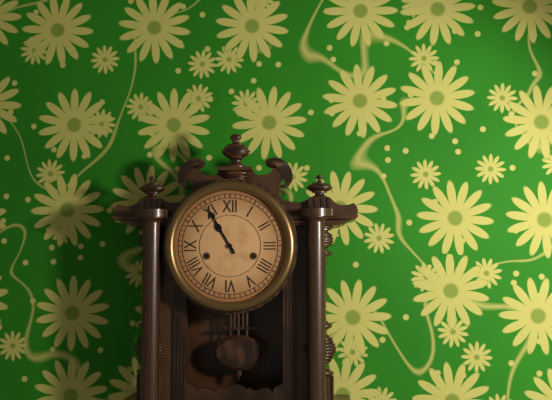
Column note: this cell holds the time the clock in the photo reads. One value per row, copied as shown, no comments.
10:55
